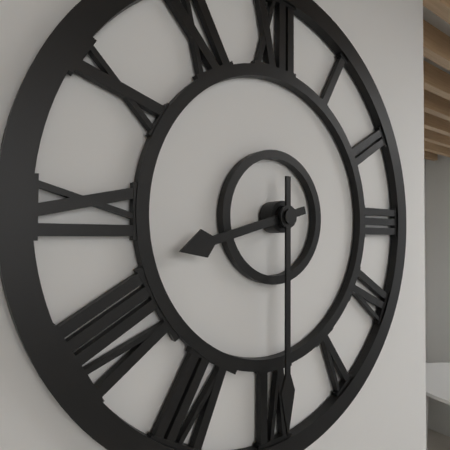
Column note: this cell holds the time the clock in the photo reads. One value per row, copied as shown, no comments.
8:30
